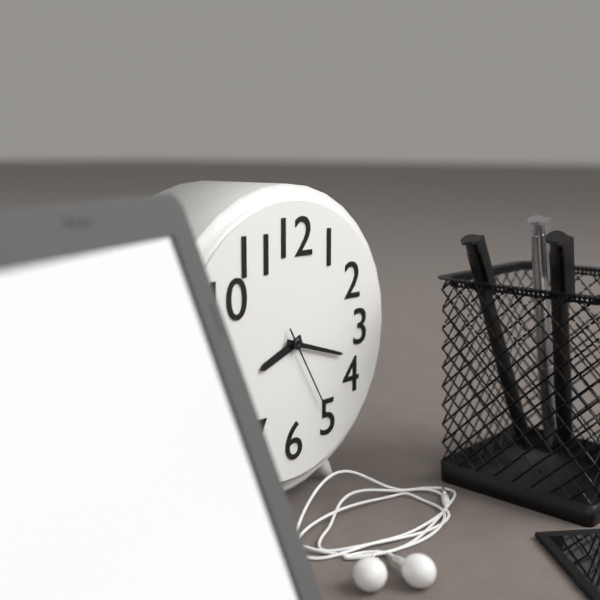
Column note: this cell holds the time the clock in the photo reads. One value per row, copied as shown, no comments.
8:18:25
